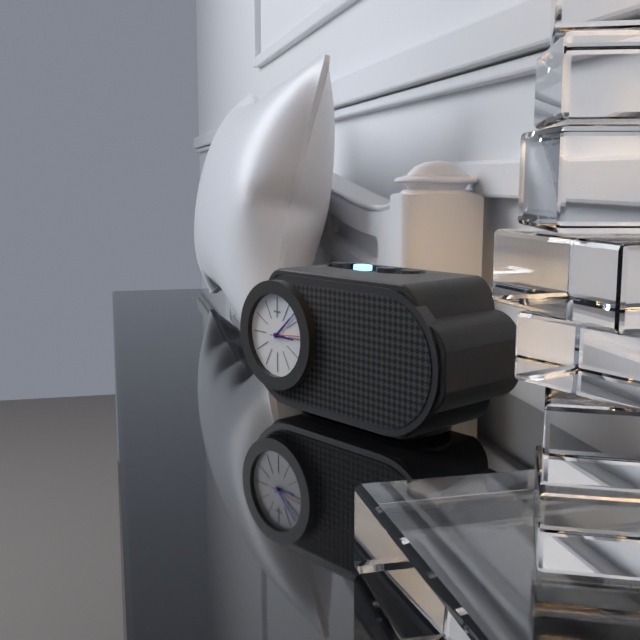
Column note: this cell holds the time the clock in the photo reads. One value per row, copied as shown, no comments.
3:08
